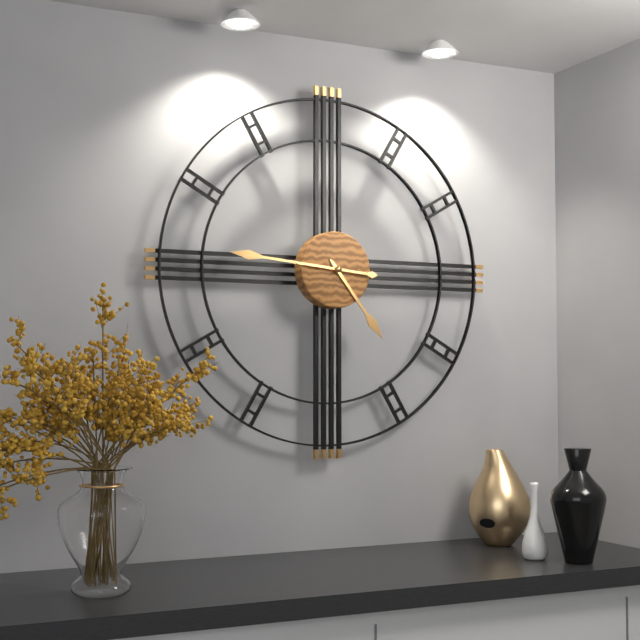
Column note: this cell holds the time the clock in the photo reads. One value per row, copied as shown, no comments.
4:46
